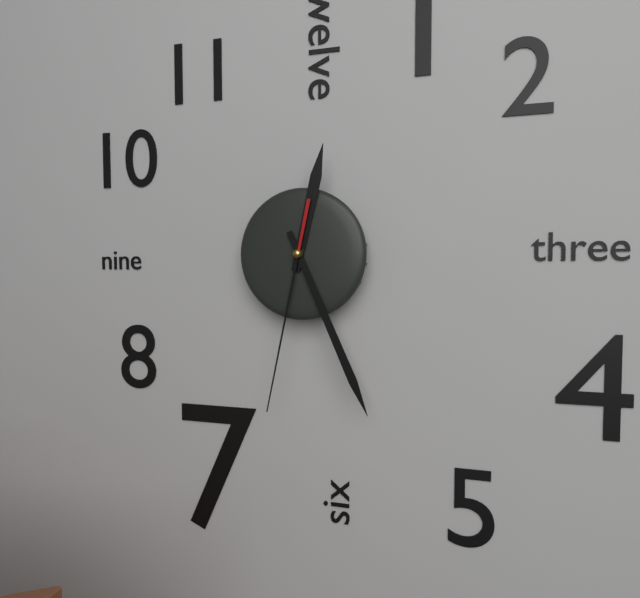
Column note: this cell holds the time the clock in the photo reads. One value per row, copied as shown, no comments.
12:26:32
